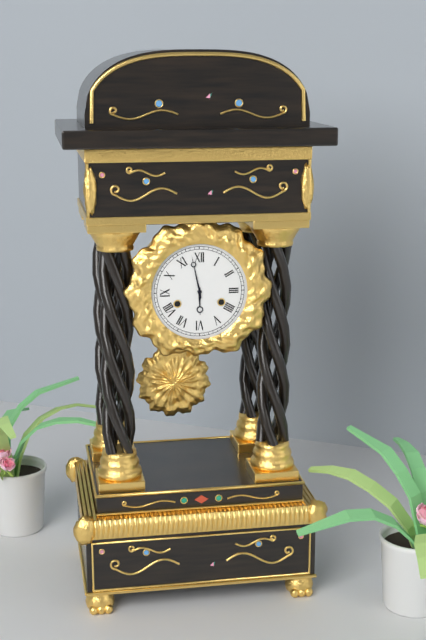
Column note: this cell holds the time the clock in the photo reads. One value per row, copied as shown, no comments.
5:58
